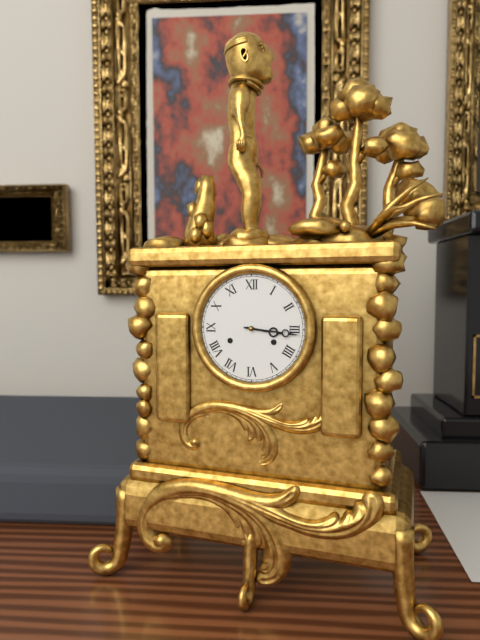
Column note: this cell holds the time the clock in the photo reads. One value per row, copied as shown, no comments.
3:16
